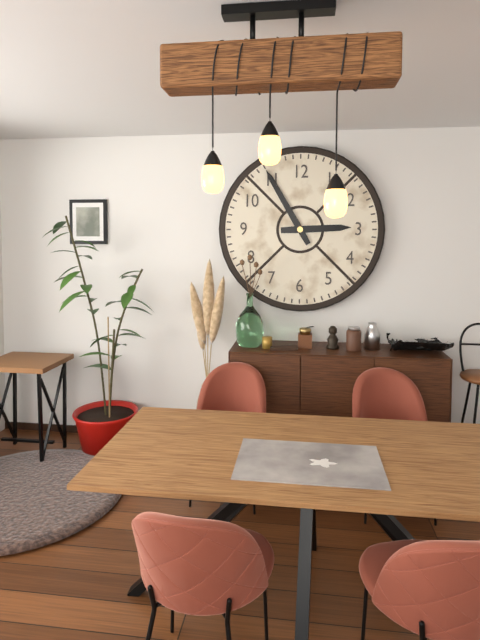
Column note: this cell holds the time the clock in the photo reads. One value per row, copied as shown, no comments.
2:55
